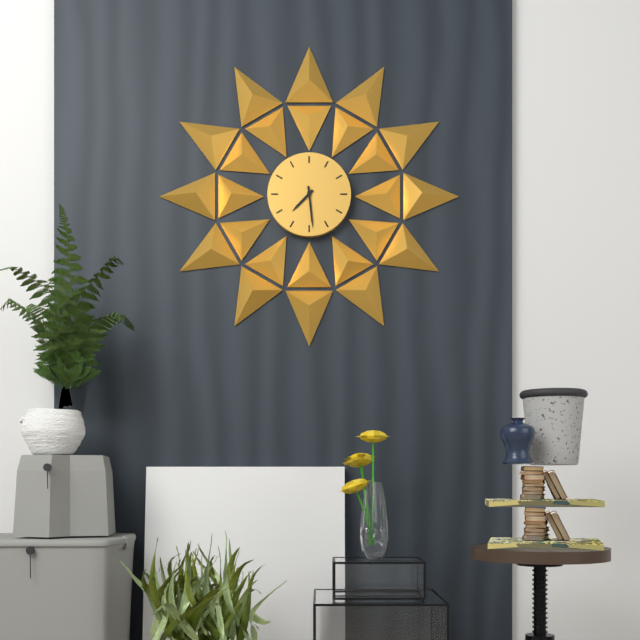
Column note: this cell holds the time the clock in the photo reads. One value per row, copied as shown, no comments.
7:29
